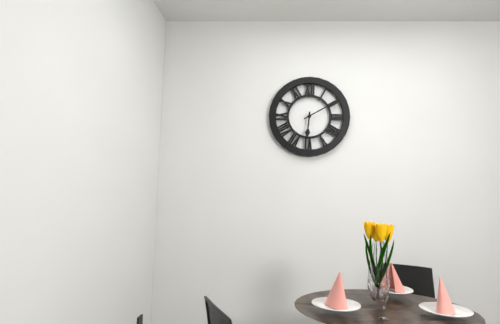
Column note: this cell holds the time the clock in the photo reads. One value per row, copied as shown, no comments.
6:10
